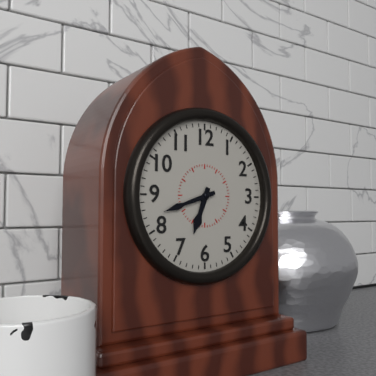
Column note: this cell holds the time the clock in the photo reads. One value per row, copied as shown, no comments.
6:42
